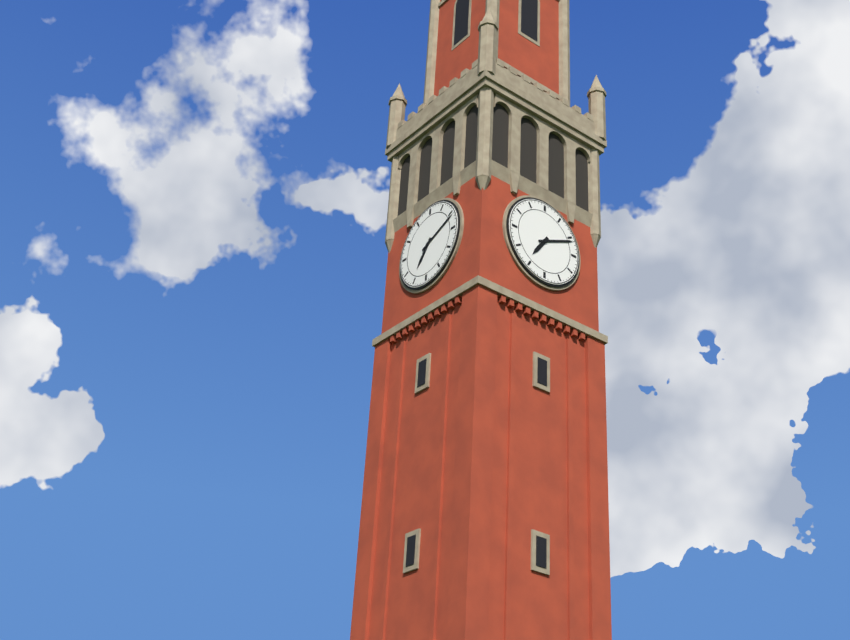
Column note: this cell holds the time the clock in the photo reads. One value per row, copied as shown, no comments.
7:11
